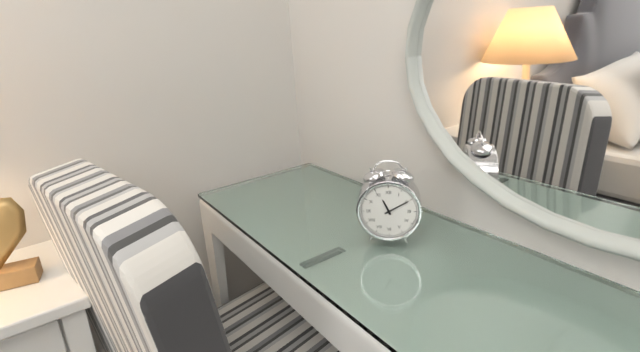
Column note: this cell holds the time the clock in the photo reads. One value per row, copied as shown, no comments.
11:10
